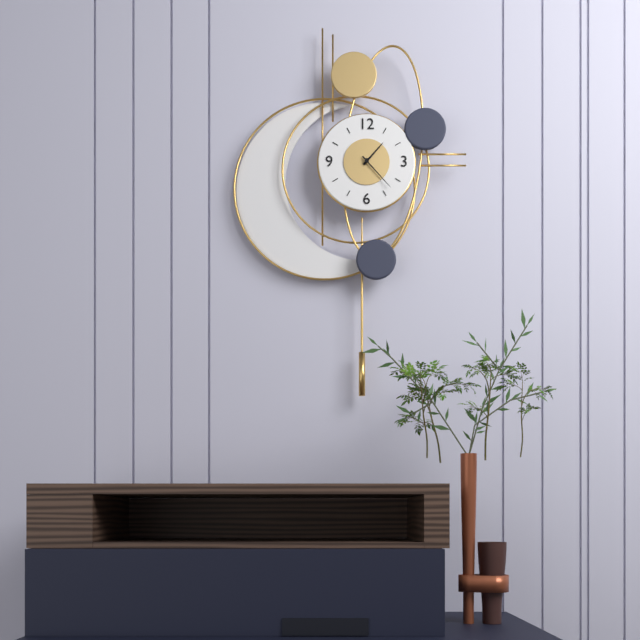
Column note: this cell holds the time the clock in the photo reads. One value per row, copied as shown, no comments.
1:23
